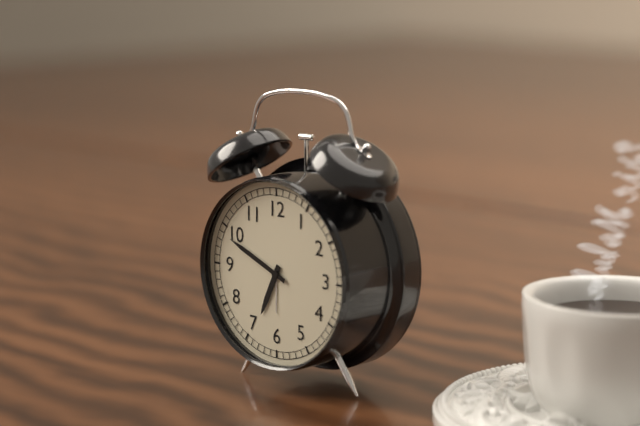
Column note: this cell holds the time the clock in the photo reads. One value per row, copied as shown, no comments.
6:49
